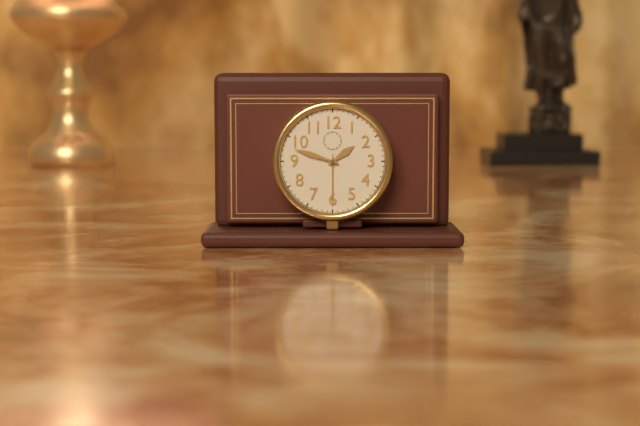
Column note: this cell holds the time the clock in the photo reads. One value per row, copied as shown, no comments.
1:48
